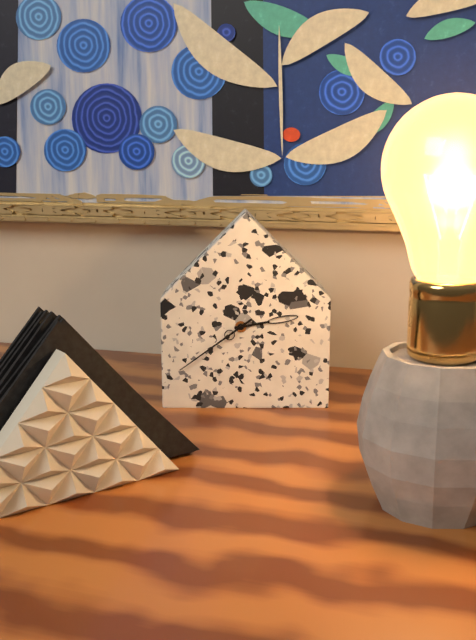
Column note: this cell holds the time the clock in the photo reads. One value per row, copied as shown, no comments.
2:39
